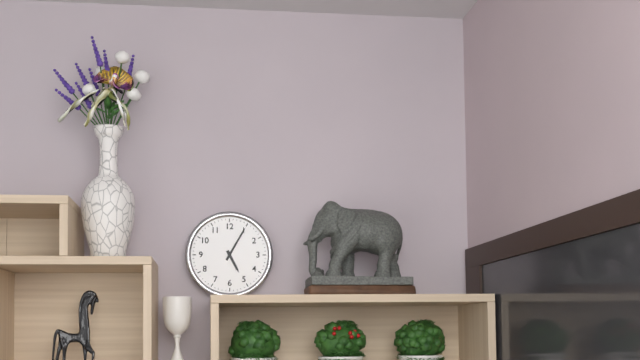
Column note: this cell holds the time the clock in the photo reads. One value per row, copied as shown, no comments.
5:05
